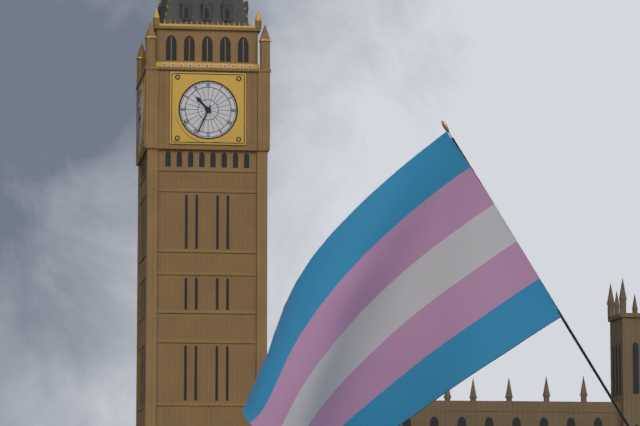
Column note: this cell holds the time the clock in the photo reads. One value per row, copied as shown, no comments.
10:34
